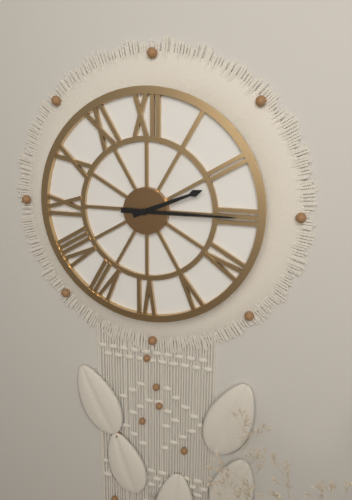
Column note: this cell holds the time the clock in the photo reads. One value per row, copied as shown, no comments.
2:15
